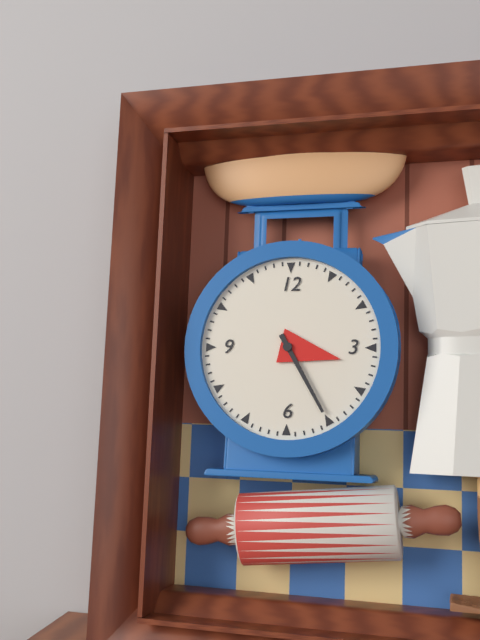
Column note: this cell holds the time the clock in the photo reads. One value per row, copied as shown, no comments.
3:25
